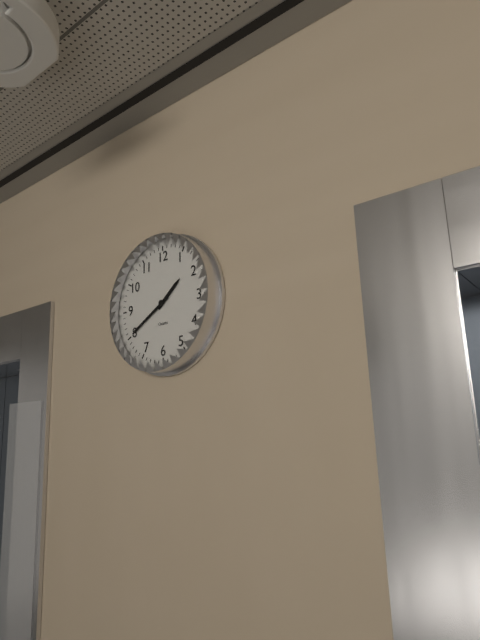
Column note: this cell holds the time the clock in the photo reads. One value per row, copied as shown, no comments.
1:40
